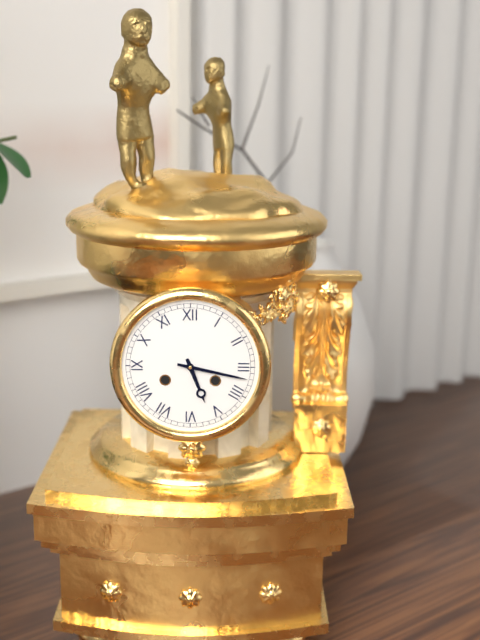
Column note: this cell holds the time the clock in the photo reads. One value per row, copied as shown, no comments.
5:17
